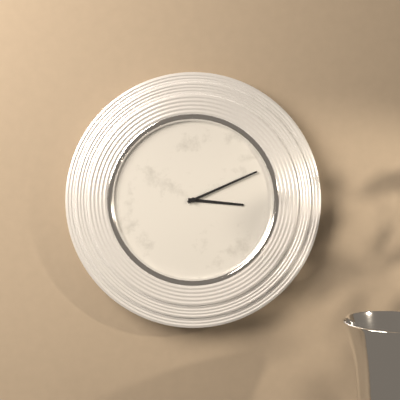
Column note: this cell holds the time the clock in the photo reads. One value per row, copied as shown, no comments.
3:11
